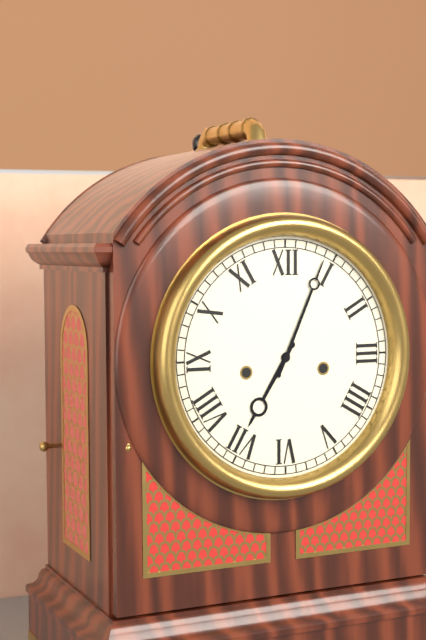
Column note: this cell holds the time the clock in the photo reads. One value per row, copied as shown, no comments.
7:04
